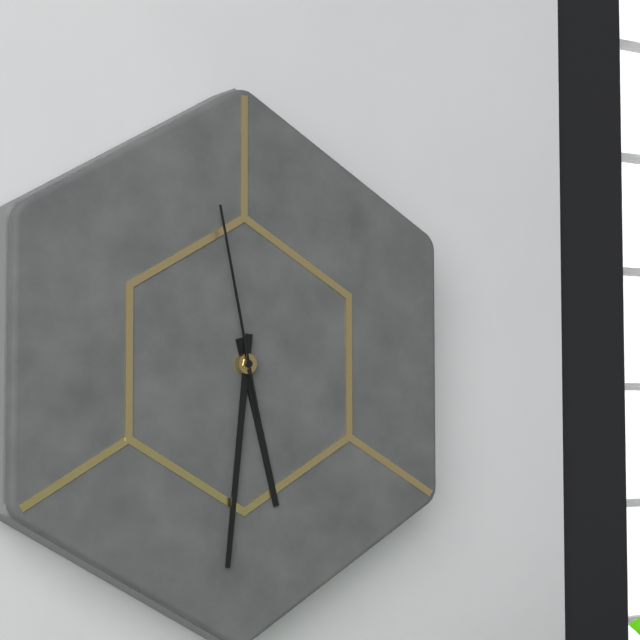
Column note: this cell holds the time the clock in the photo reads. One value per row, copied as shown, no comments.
5:31:58
